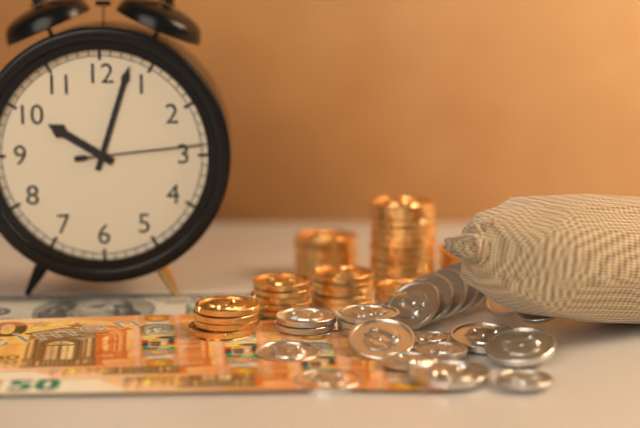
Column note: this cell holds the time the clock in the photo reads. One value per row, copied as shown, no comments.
10:03:14
